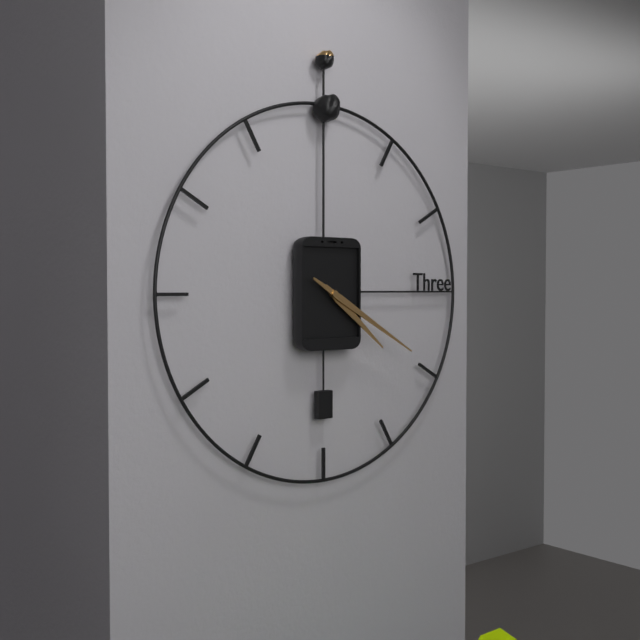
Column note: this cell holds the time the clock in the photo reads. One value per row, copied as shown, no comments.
4:20
